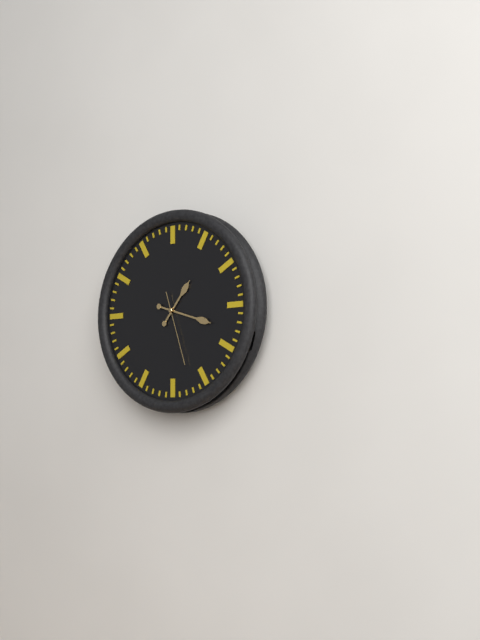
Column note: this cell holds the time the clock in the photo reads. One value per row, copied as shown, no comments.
1:18:27
